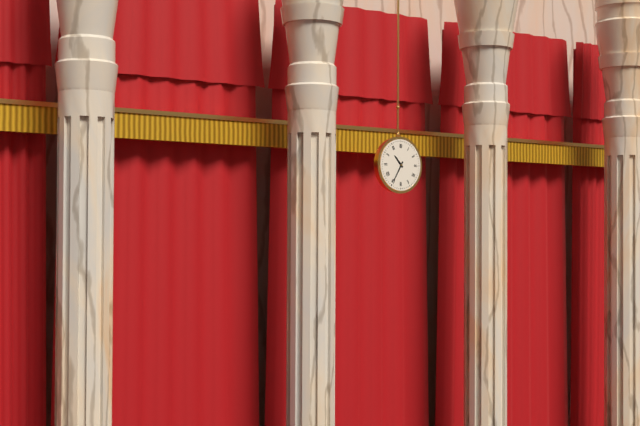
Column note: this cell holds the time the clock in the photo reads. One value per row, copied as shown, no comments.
10:35
